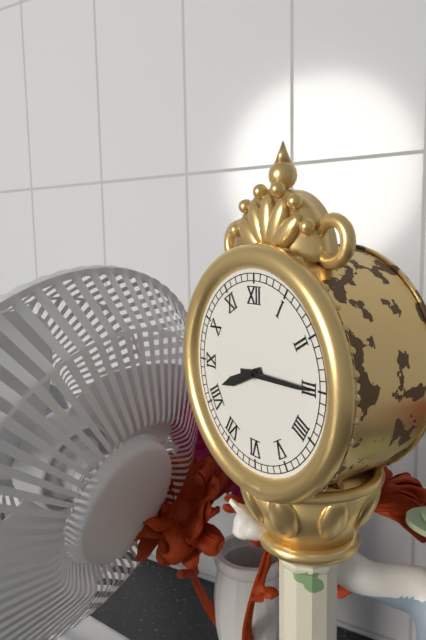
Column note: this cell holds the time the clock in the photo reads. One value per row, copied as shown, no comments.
8:15
